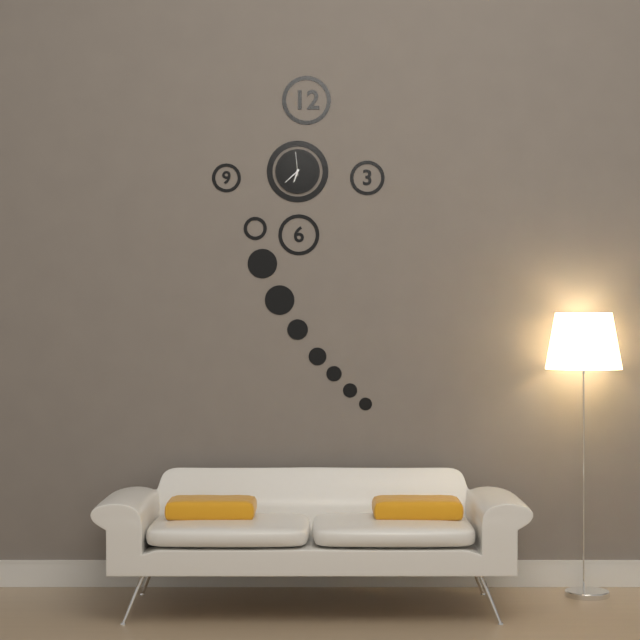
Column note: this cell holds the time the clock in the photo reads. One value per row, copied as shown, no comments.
6:38
